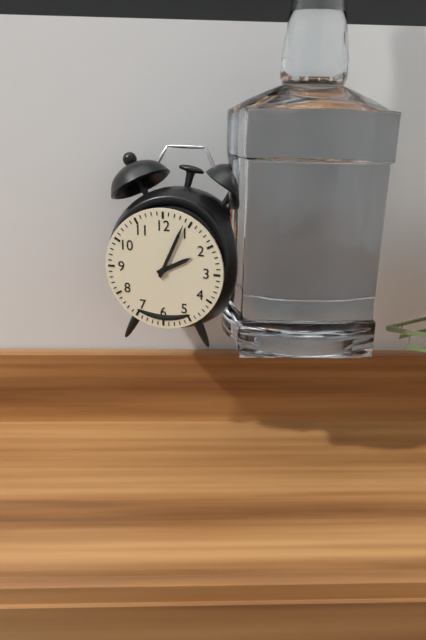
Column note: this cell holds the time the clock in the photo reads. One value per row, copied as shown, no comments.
2:04
